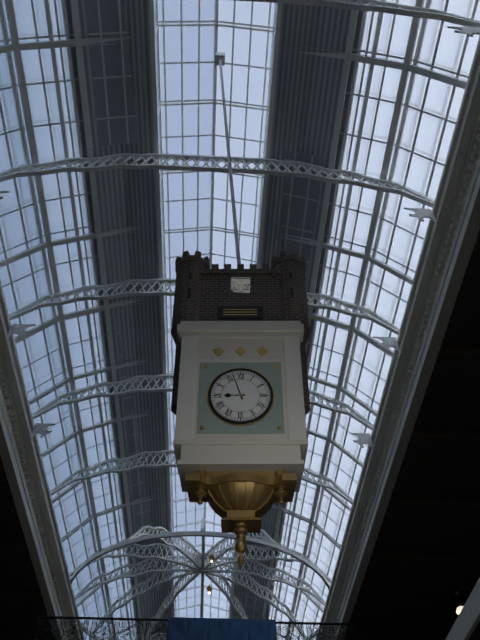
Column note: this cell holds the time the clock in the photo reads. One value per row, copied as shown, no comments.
8:57
